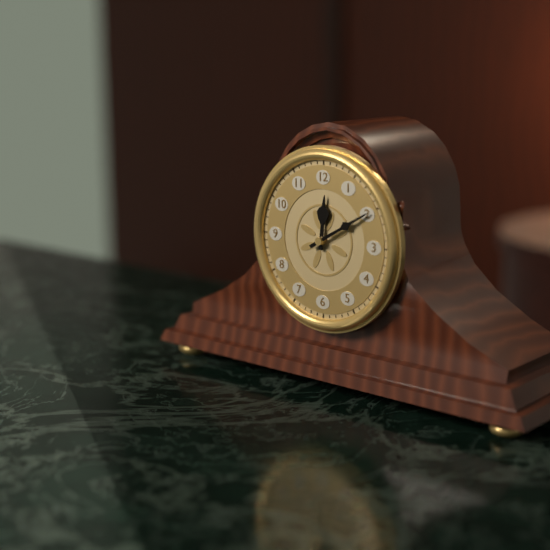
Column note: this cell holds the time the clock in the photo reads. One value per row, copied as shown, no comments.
12:10
